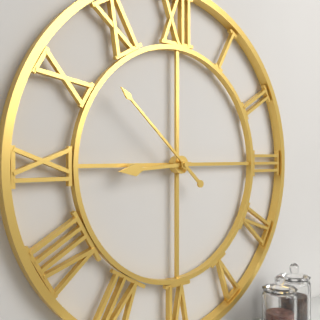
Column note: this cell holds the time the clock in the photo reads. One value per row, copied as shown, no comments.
8:52
